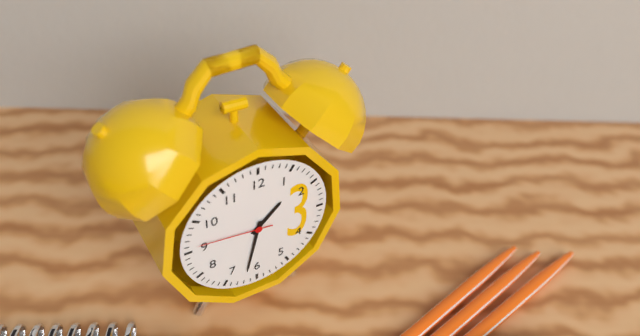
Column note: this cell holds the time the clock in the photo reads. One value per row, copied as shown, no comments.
1:32:46
